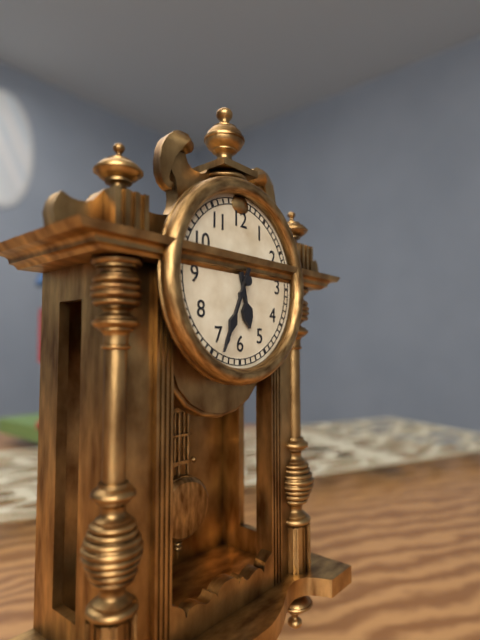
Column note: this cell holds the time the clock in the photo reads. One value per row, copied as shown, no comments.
5:34
